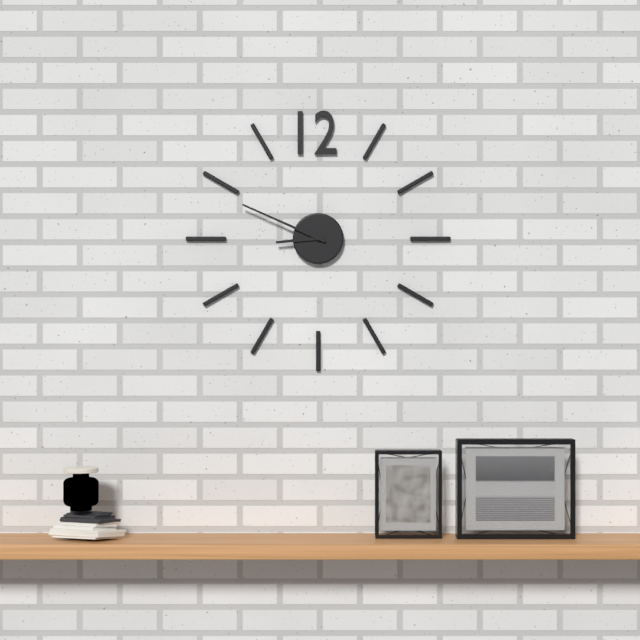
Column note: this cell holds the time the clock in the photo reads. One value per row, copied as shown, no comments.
8:49
